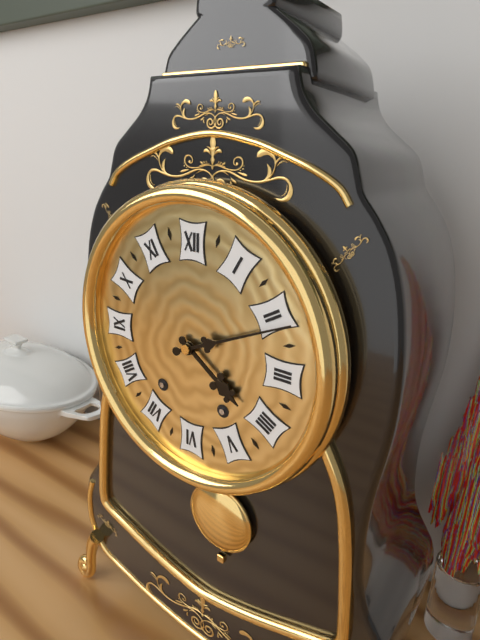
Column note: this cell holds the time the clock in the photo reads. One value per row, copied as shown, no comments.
4:11
